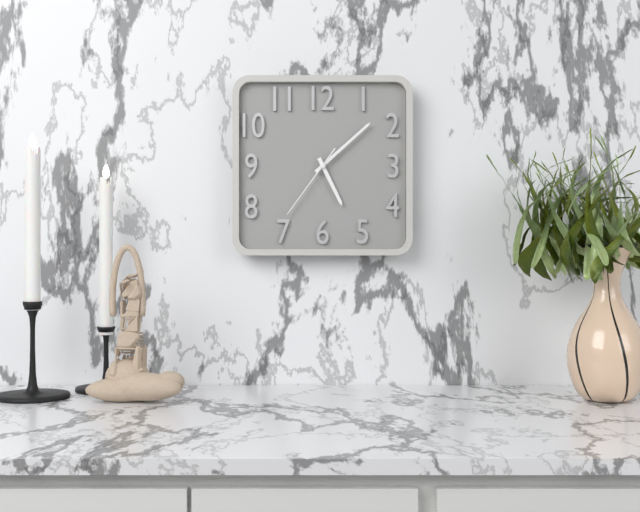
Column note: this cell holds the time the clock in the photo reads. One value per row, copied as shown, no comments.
5:08:36
